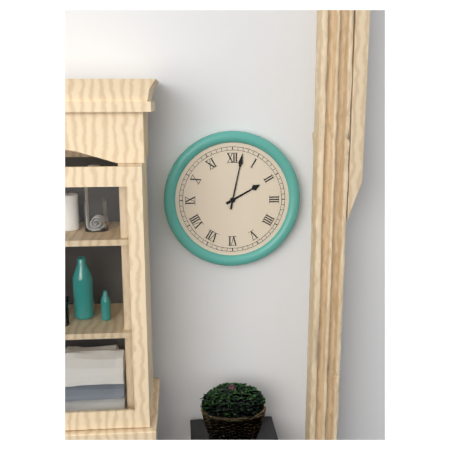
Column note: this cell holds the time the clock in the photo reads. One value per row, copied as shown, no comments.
2:02
